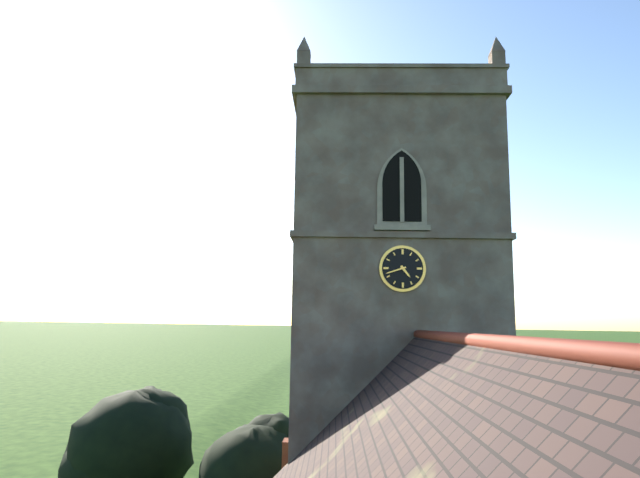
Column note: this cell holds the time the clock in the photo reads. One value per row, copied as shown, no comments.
4:42
